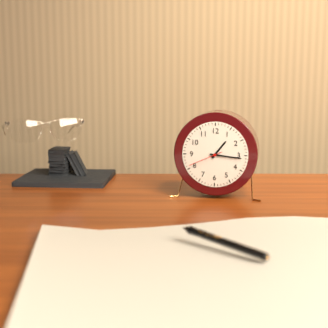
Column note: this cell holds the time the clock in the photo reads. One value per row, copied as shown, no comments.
1:16
